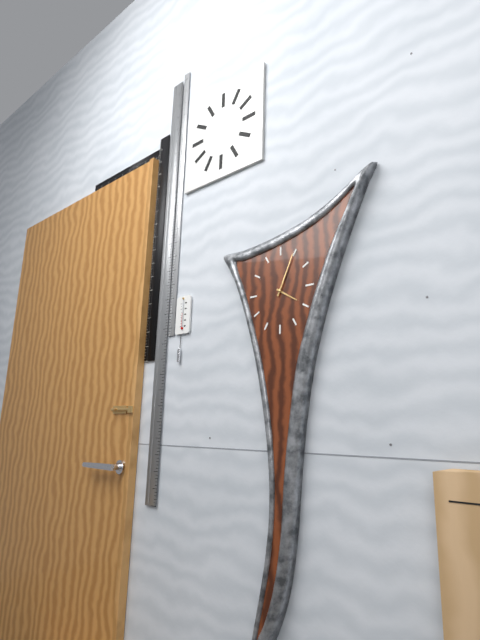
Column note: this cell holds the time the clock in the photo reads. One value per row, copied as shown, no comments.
4:04
